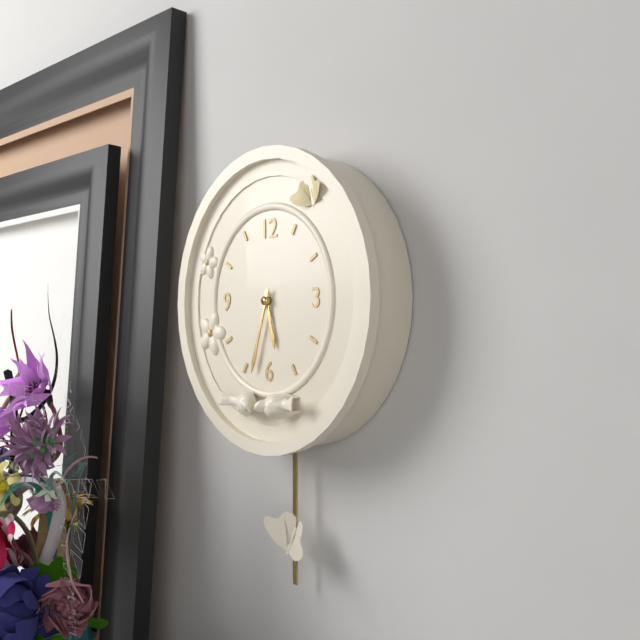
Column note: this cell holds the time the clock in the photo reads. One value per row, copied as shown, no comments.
5:33
